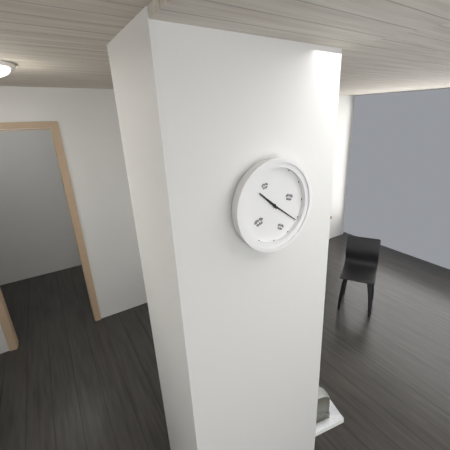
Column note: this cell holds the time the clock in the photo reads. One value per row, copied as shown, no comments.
10:21
